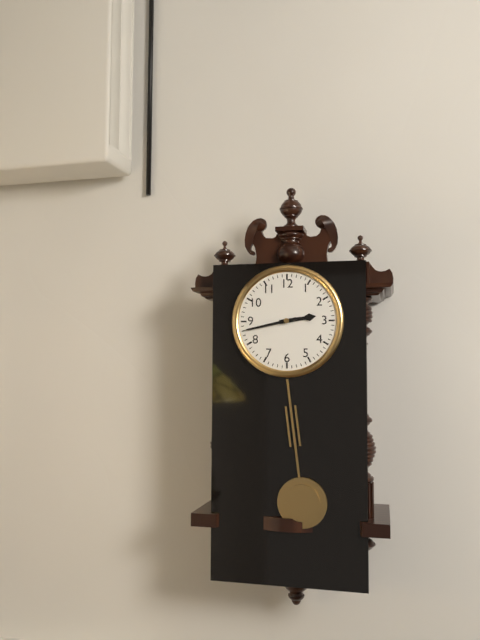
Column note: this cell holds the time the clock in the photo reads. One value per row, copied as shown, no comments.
2:43
